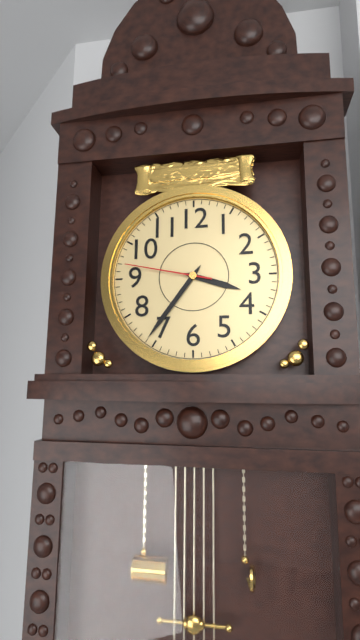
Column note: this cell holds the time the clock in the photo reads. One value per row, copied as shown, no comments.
3:36:47
